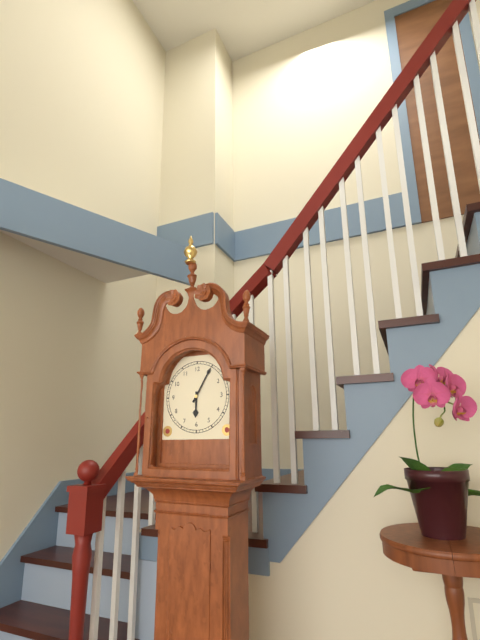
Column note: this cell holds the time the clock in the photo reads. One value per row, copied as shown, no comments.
6:05
